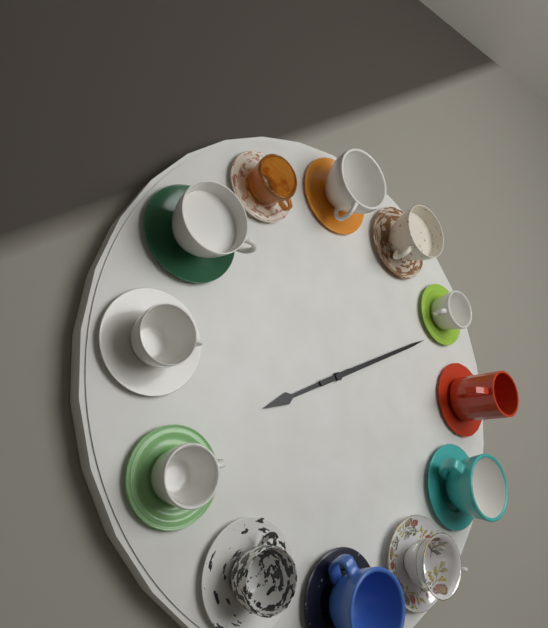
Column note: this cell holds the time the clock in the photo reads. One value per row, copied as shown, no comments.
8:11
